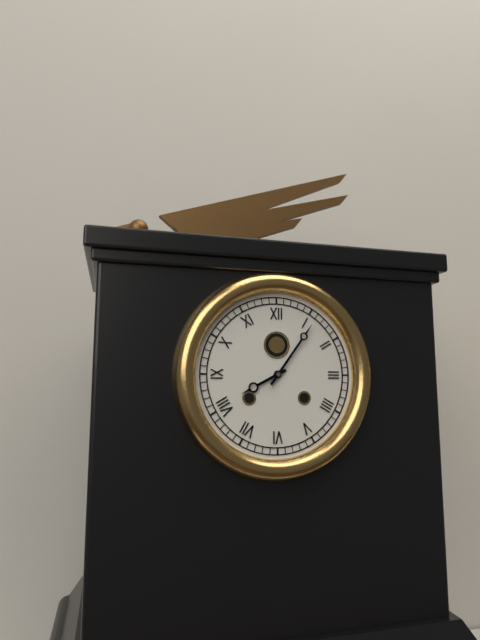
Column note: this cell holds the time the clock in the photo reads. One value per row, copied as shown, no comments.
8:06
